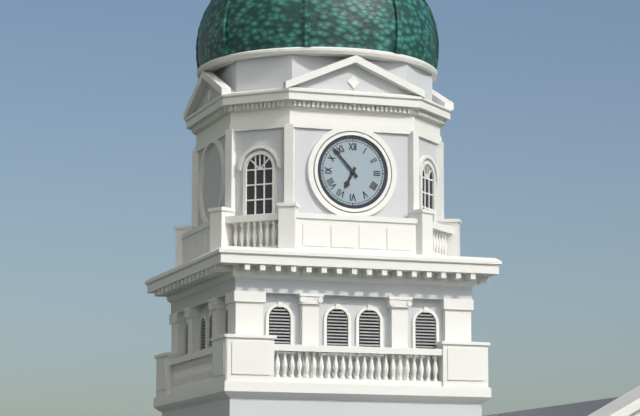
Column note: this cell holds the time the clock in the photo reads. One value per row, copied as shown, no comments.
6:53
